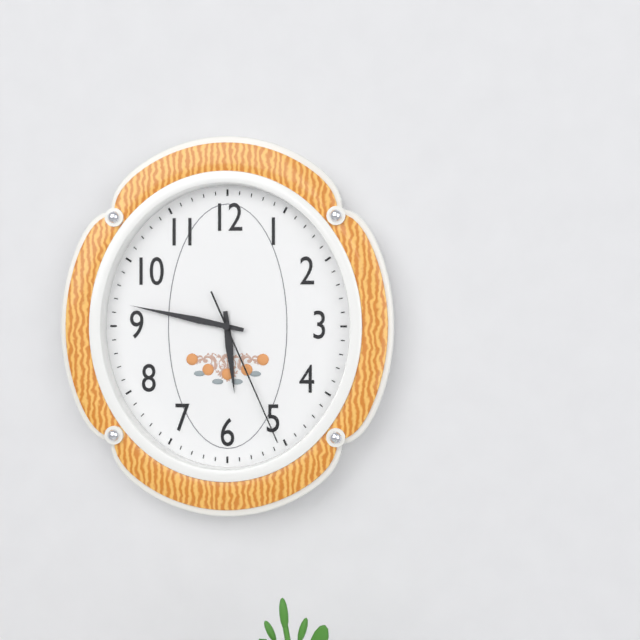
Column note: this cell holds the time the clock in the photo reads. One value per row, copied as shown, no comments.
5:47:26
